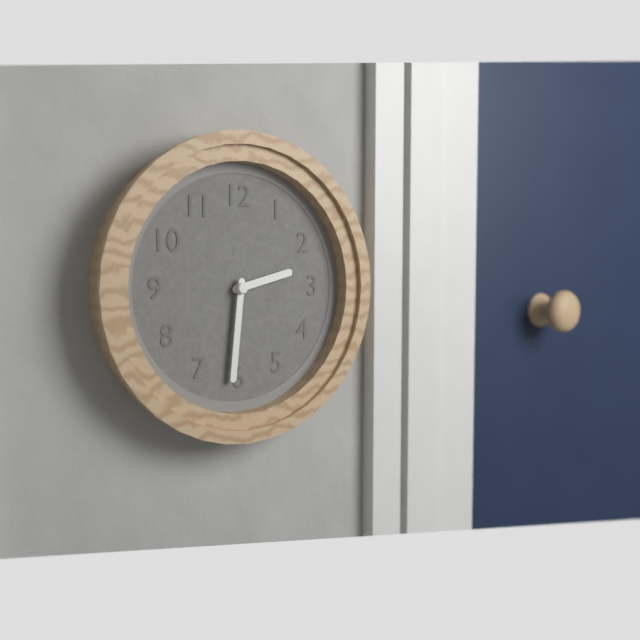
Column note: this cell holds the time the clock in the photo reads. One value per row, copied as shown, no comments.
2:31
